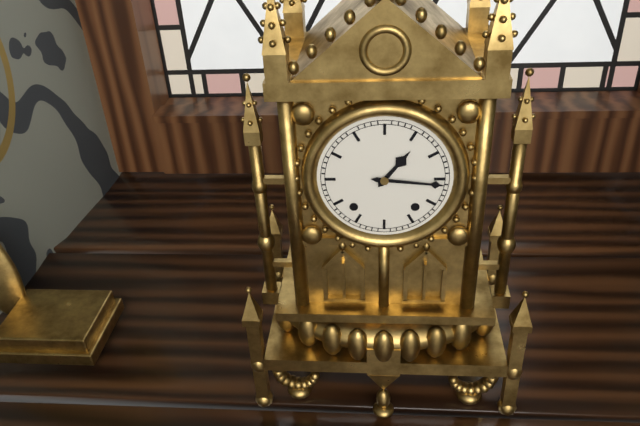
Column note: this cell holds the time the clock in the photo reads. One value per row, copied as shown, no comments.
1:16
